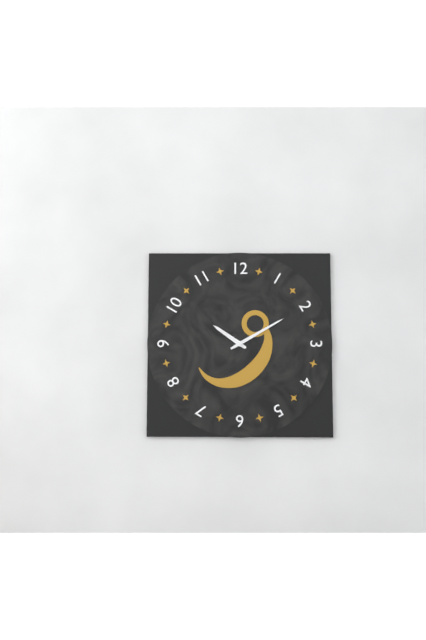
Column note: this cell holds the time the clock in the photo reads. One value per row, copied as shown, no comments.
10:10
